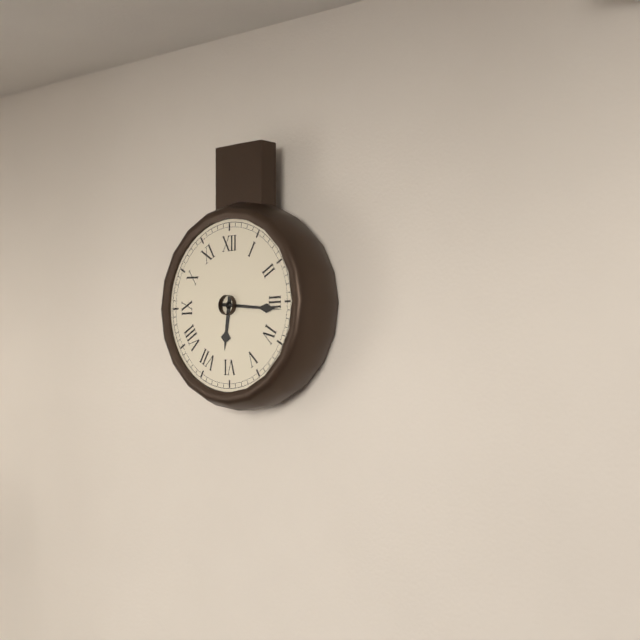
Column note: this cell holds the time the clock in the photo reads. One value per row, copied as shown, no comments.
6:16
